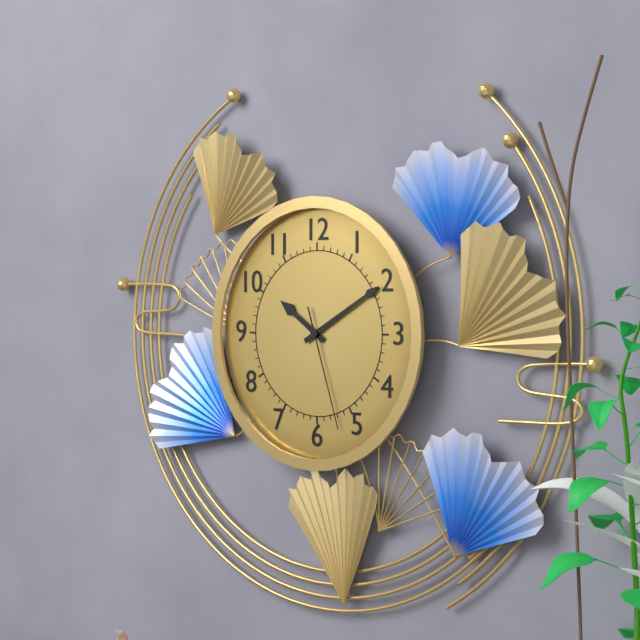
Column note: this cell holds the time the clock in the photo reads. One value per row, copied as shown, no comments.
10:10:27
